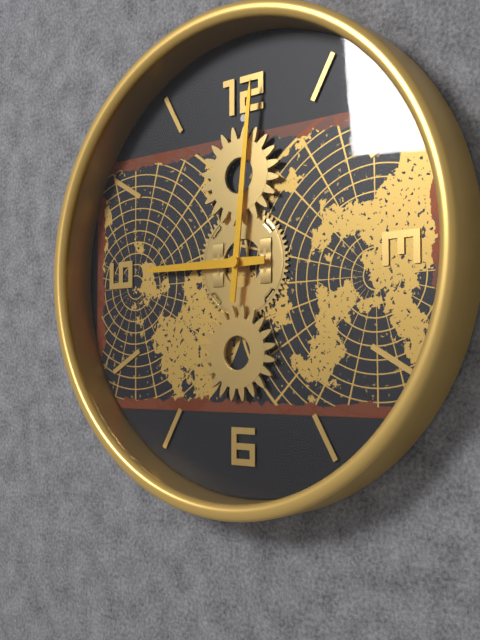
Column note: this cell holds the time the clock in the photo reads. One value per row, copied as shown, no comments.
9:01
